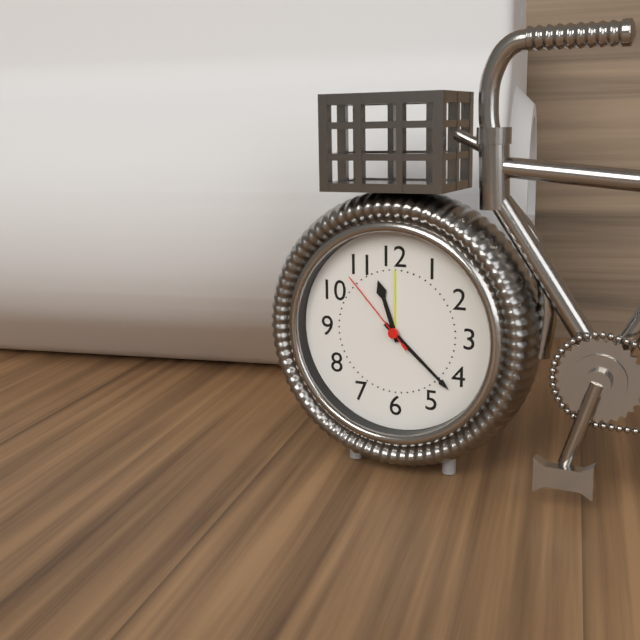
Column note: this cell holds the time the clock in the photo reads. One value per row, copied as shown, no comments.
11:22:53
